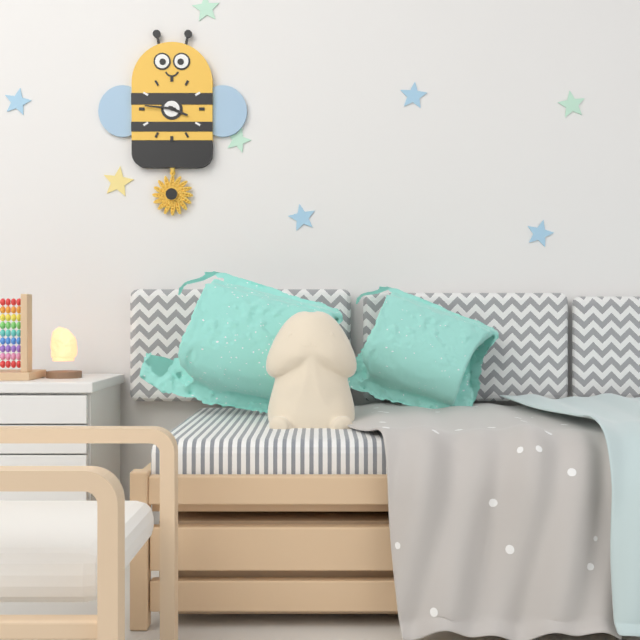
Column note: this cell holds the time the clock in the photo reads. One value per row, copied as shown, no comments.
3:46
